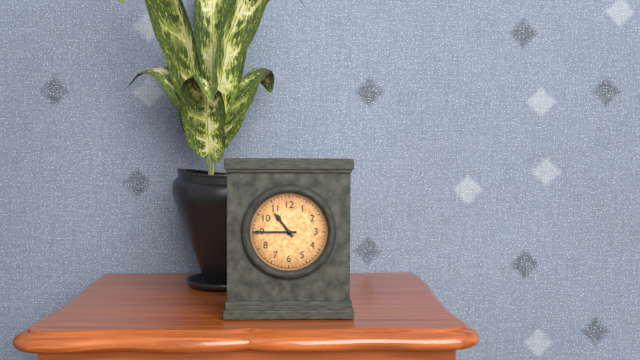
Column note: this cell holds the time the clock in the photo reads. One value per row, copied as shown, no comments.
10:45
